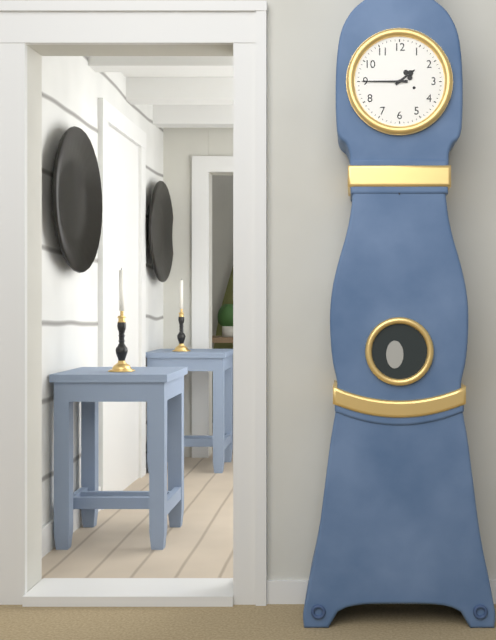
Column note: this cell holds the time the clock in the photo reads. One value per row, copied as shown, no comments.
1:45
